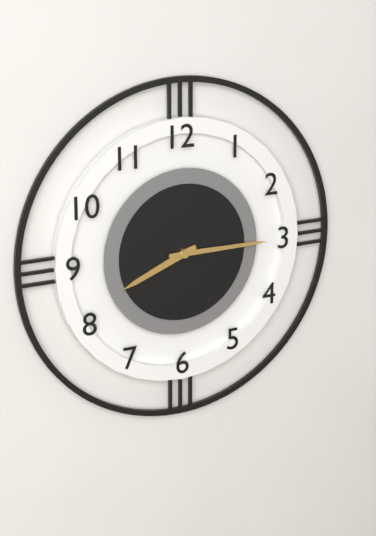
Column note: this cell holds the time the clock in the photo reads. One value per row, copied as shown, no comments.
8:15
